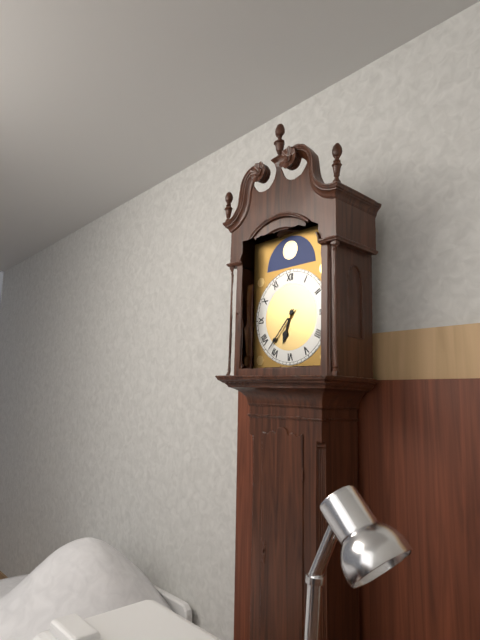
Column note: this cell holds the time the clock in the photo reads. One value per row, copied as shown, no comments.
6:37
